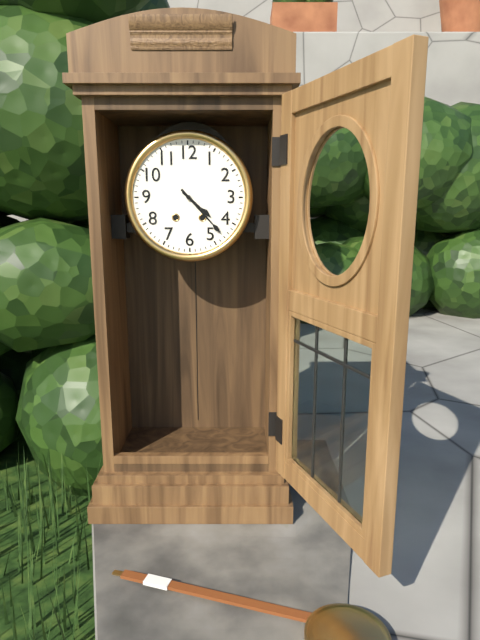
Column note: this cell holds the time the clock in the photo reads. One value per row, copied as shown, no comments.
4:23
